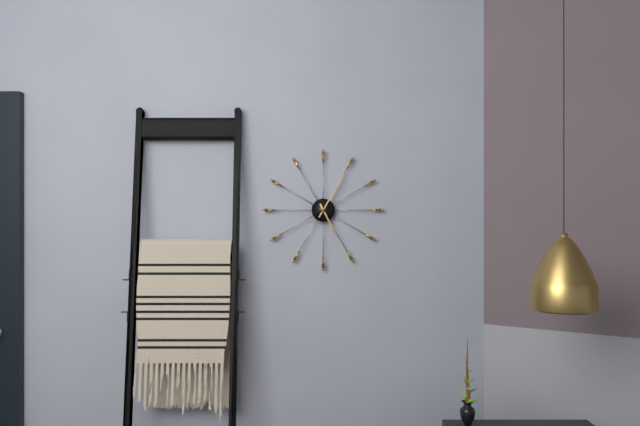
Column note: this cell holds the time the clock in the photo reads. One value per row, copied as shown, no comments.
5:05
